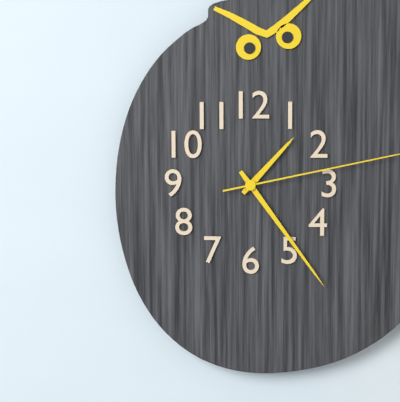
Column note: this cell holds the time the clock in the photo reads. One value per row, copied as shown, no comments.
1:24
